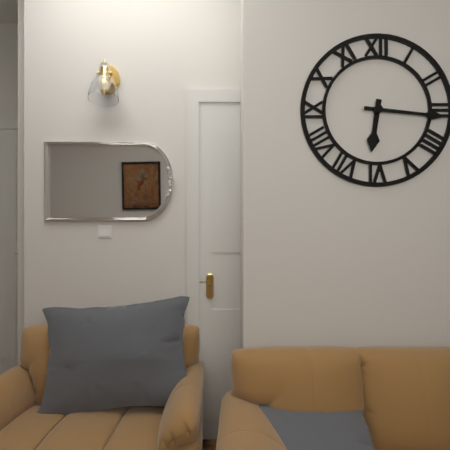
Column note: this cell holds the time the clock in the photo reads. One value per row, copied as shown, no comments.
6:16
